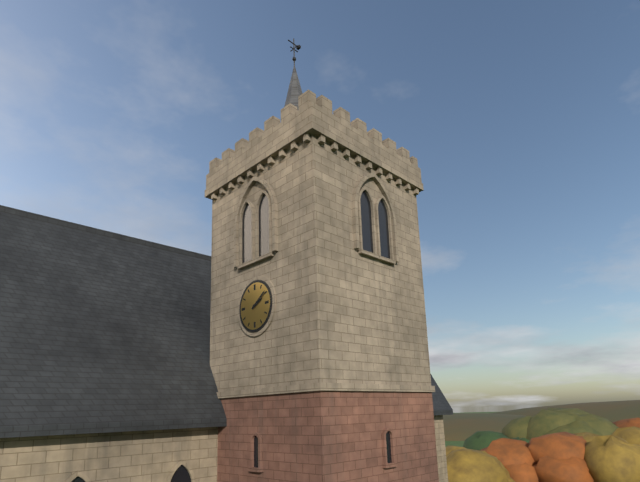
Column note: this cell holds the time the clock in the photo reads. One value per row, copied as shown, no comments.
2:09
